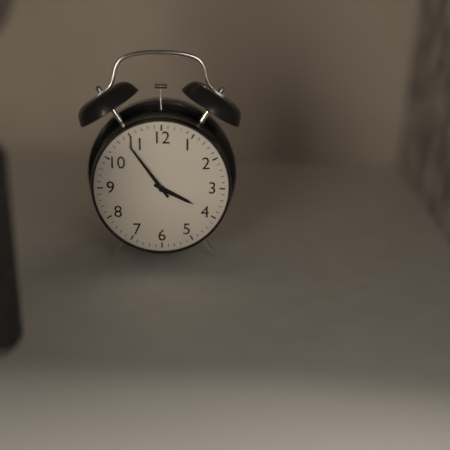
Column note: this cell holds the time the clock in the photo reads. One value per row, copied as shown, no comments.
3:54
